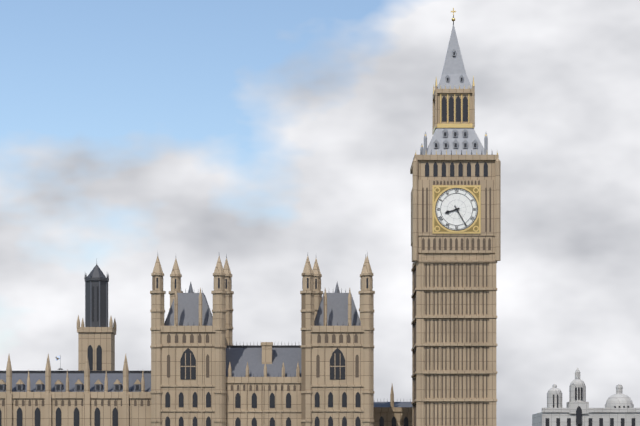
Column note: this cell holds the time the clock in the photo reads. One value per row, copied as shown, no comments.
8:25
